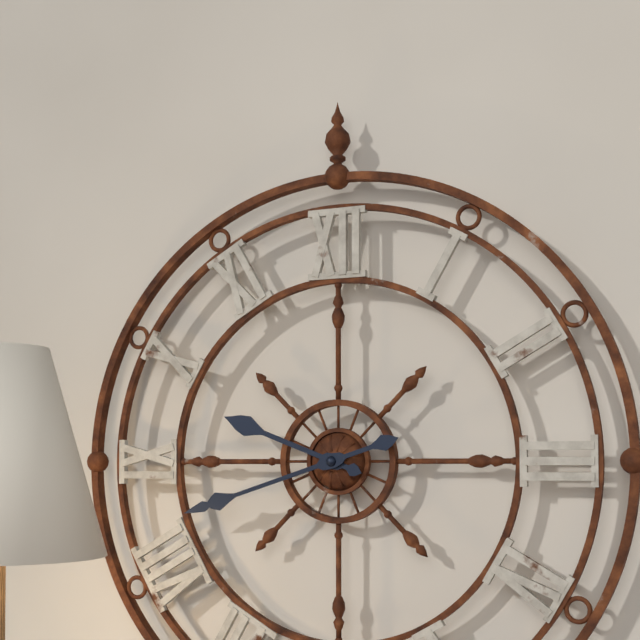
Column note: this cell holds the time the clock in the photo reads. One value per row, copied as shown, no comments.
9:42
